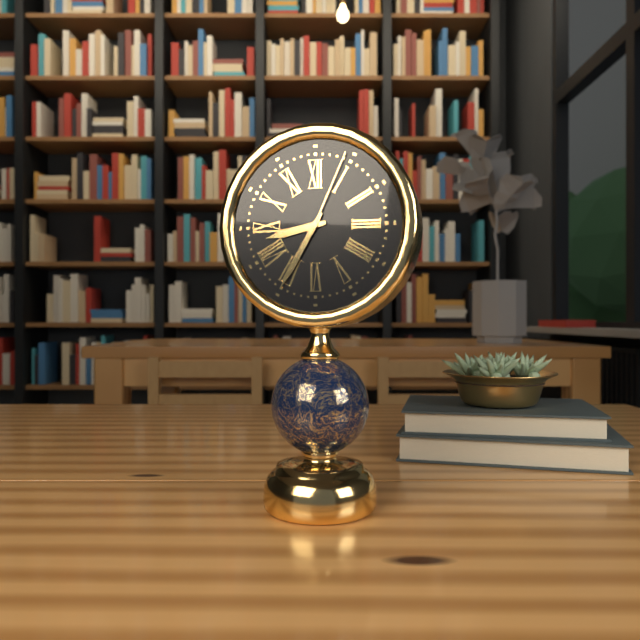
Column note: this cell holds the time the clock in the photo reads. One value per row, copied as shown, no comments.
8:35:04
